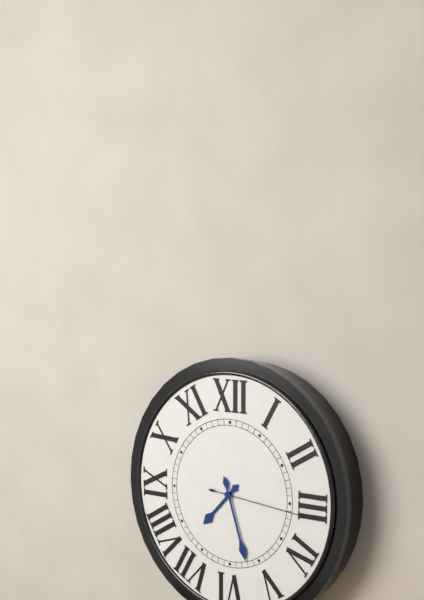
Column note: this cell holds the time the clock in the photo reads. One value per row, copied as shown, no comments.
7:27:16
